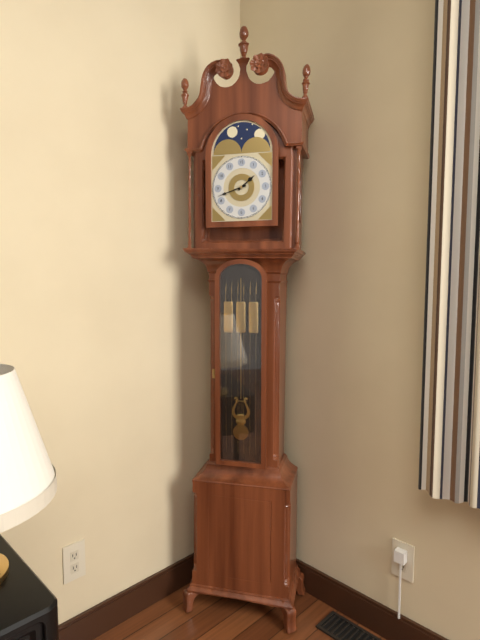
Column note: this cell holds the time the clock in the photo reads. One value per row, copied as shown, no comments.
1:42
